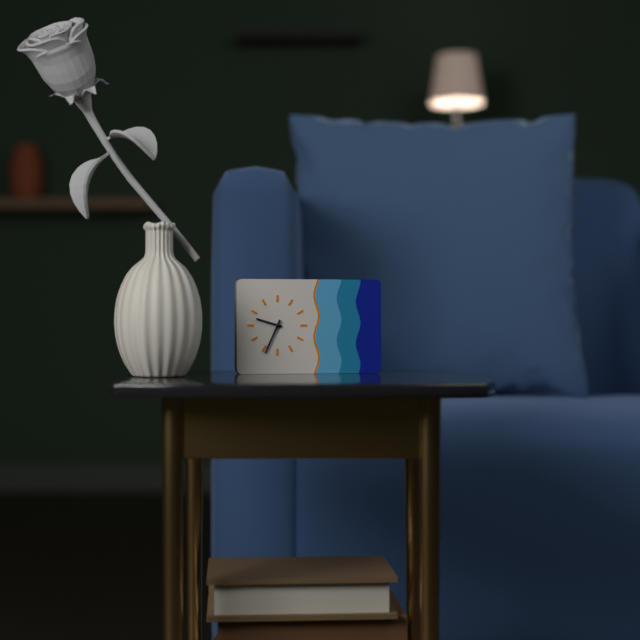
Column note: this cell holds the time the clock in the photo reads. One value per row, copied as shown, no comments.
9:34
